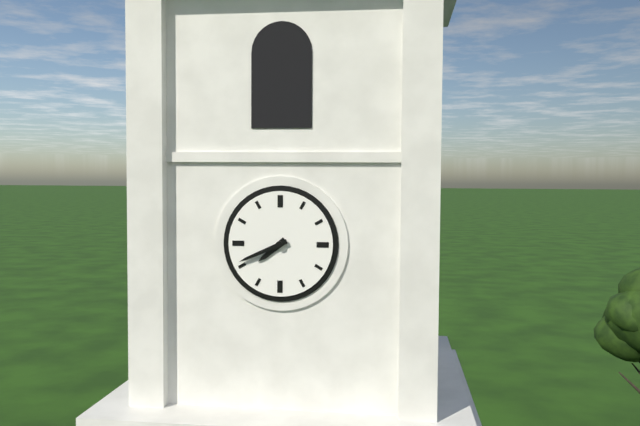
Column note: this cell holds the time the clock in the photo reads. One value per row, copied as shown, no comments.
7:41
